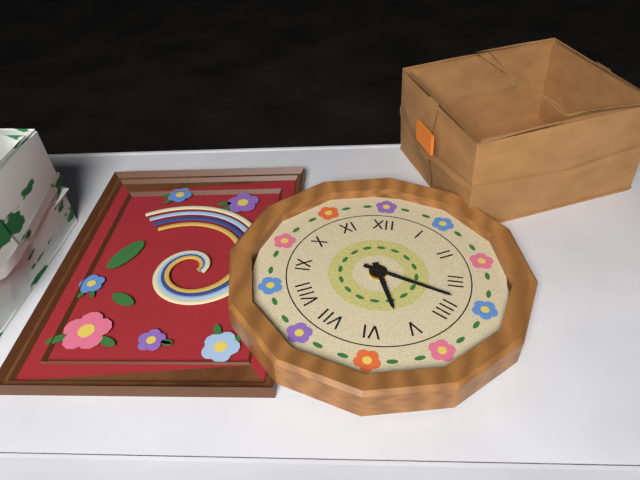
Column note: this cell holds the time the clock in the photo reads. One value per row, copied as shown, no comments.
5:18
